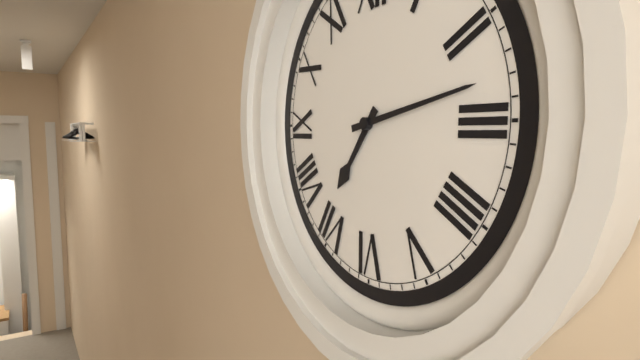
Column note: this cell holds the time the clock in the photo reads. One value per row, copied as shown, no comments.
7:13
